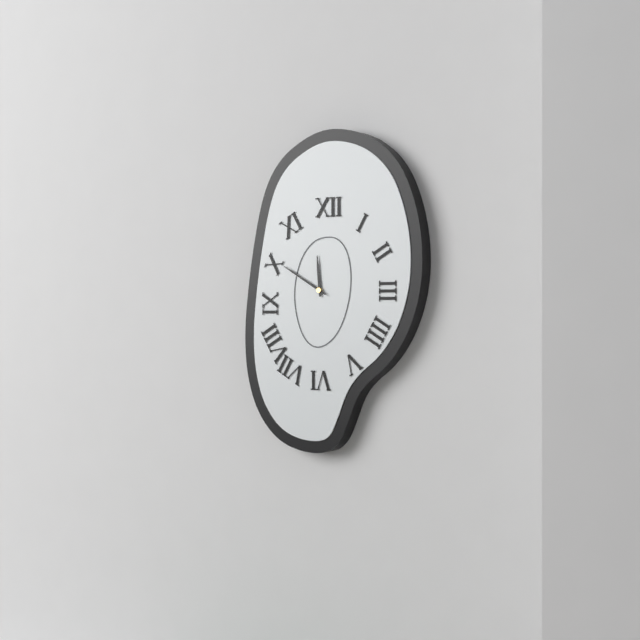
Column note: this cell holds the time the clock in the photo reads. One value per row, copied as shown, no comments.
11:50
